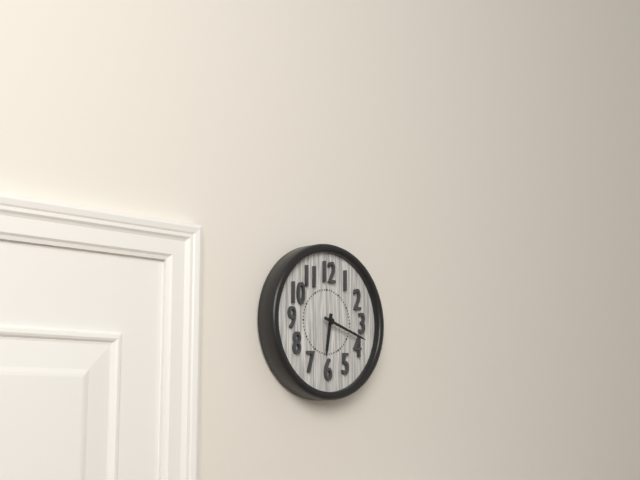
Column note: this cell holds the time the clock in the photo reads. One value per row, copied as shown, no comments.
6:18
